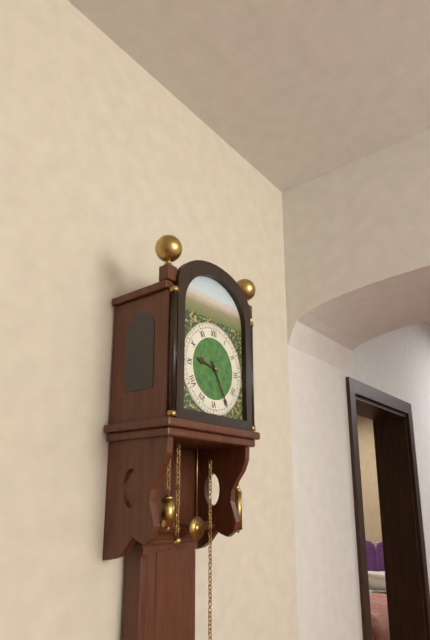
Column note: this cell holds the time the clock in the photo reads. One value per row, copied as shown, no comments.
9:25
